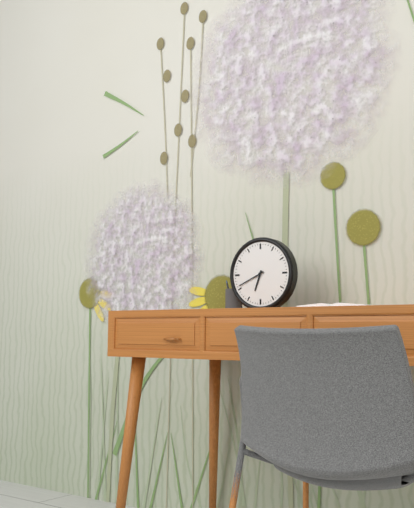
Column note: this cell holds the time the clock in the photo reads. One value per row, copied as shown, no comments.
6:41
